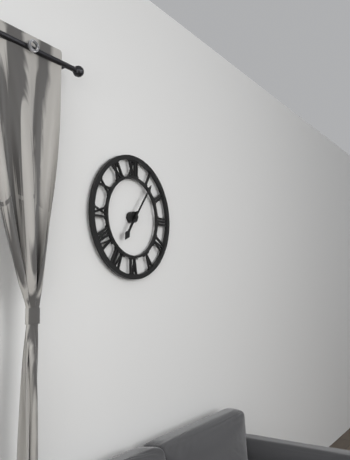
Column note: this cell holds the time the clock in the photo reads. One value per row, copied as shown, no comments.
7:06
